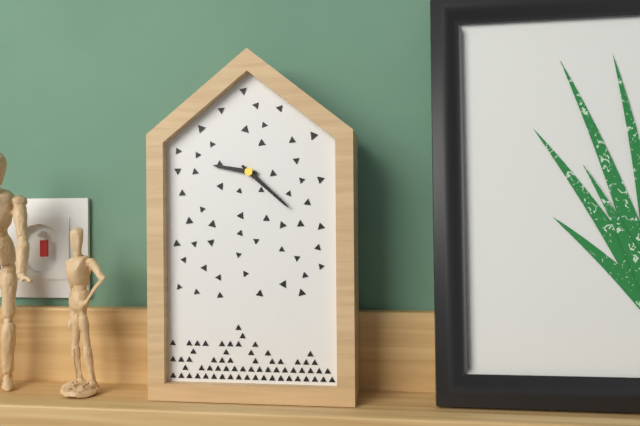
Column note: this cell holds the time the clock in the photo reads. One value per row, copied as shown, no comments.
9:22
